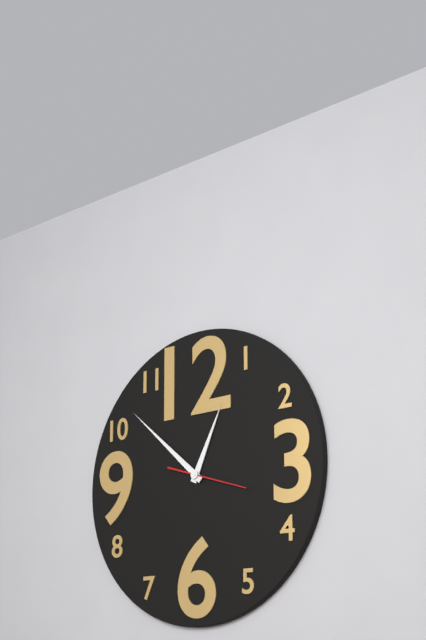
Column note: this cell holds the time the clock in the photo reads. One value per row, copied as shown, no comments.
12:52:18
